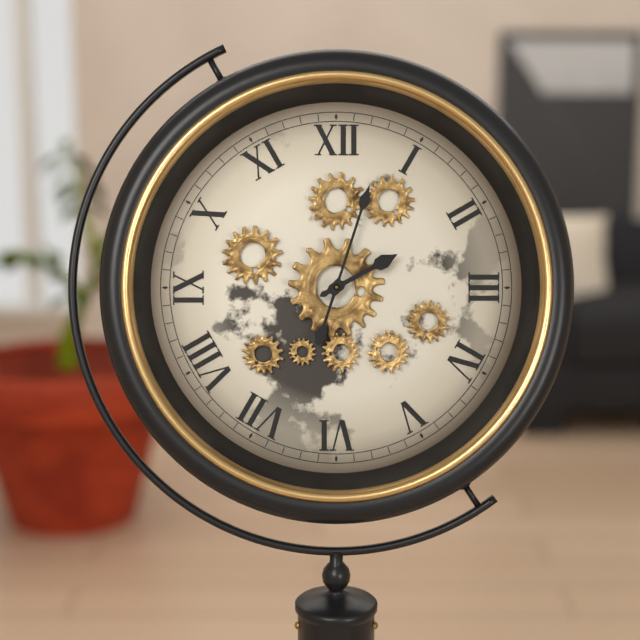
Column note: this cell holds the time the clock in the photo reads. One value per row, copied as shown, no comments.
2:03
